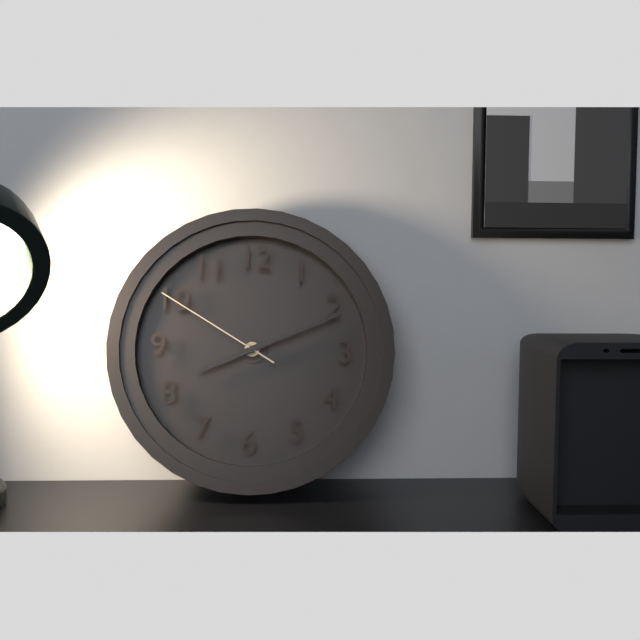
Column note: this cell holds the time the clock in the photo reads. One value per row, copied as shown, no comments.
8:11:50
